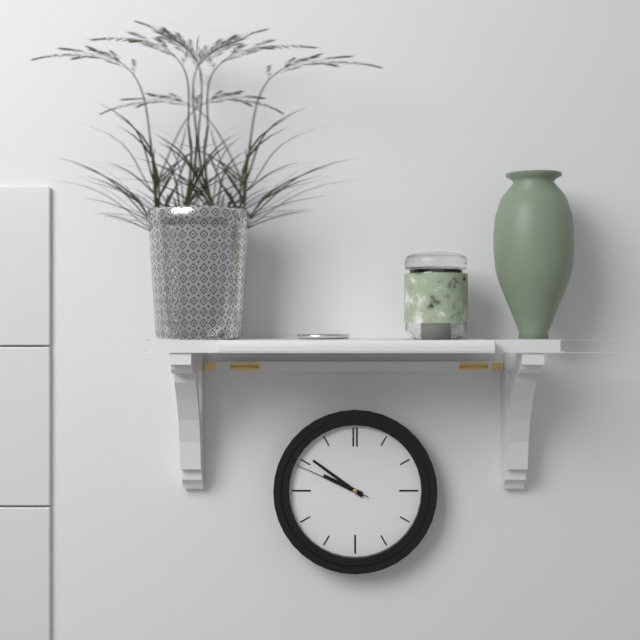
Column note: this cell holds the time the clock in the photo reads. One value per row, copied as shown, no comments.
9:51:49
